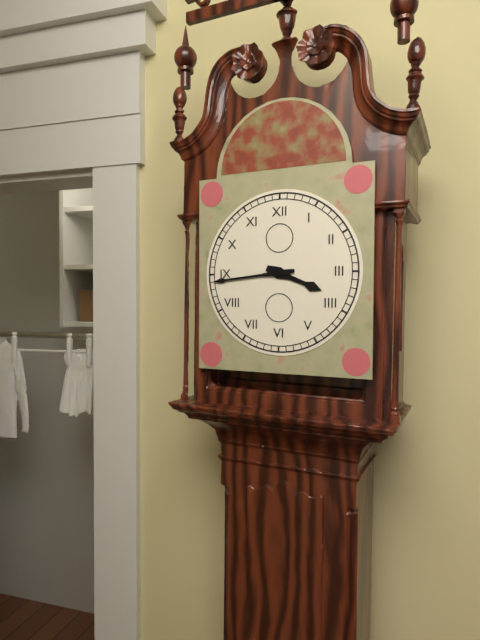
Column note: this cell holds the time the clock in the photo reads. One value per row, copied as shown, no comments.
3:44
